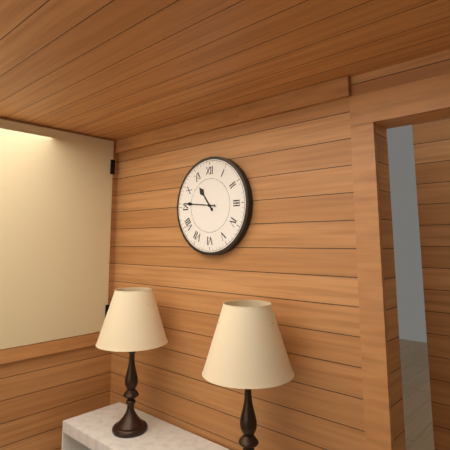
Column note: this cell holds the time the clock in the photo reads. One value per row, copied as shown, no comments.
10:46
